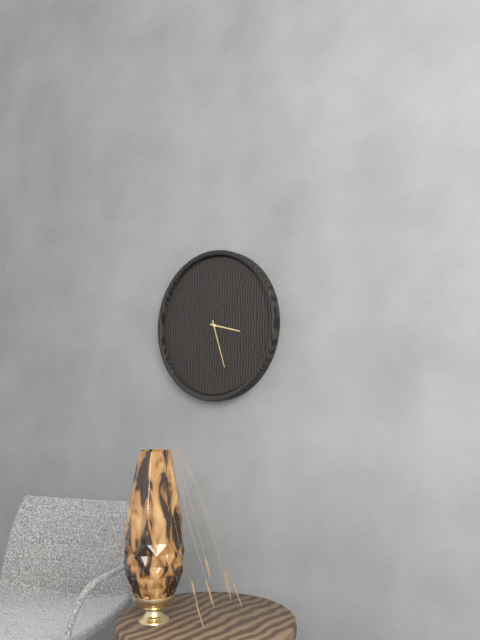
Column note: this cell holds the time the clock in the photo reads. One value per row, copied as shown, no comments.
3:27
